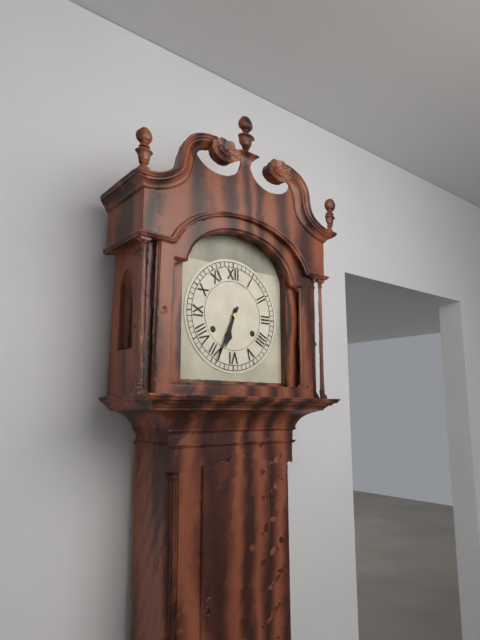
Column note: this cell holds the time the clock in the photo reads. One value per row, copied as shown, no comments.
6:34
